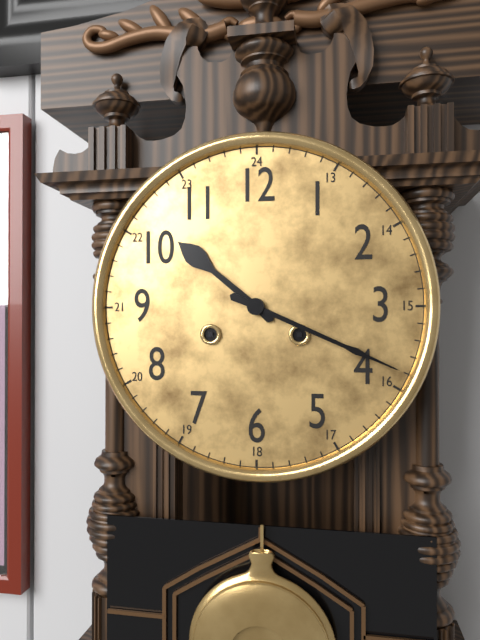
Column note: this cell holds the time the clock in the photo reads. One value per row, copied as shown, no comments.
10:19
